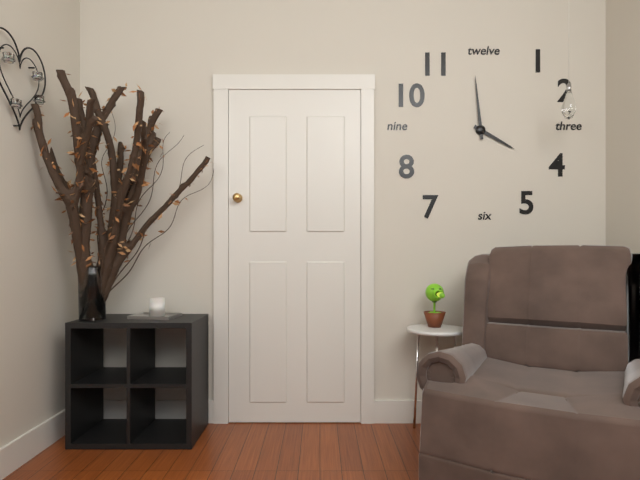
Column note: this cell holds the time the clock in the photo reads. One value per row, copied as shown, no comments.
3:59
